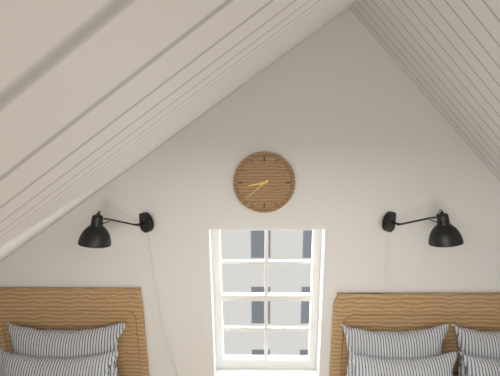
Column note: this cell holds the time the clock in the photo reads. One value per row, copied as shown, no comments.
8:38
